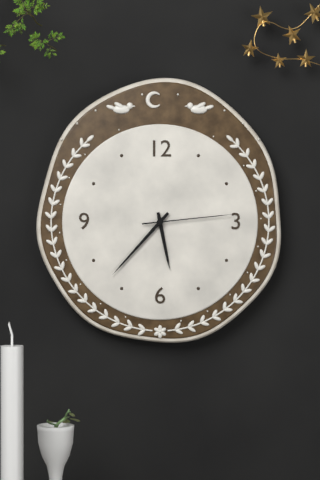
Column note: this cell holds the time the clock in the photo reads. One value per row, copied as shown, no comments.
5:37:14
